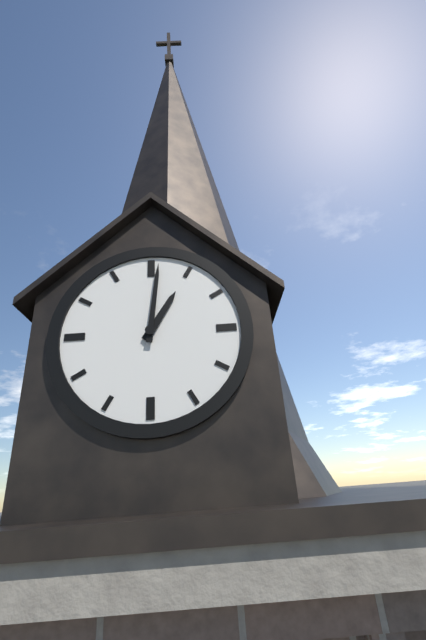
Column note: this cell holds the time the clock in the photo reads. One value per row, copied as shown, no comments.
1:01
